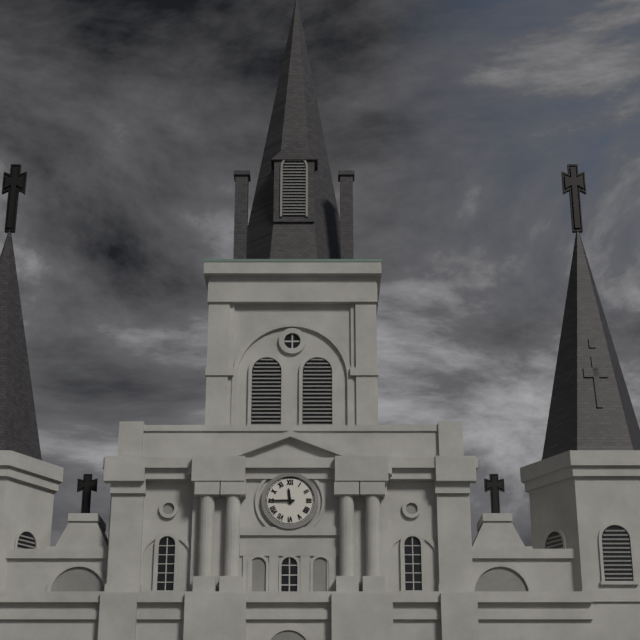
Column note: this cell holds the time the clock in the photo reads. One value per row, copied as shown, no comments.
11:45
